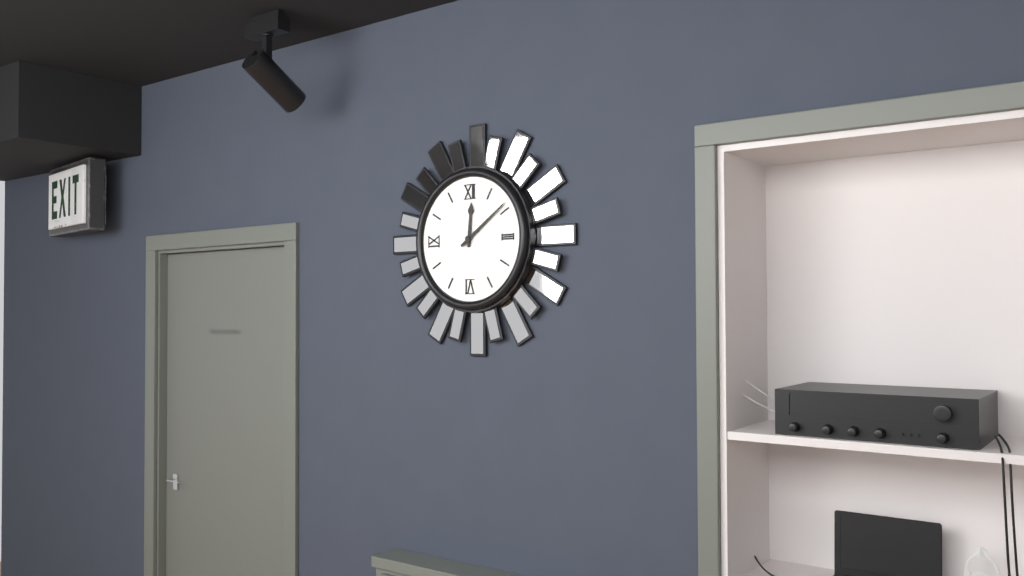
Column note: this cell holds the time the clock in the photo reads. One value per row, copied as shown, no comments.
12:09
